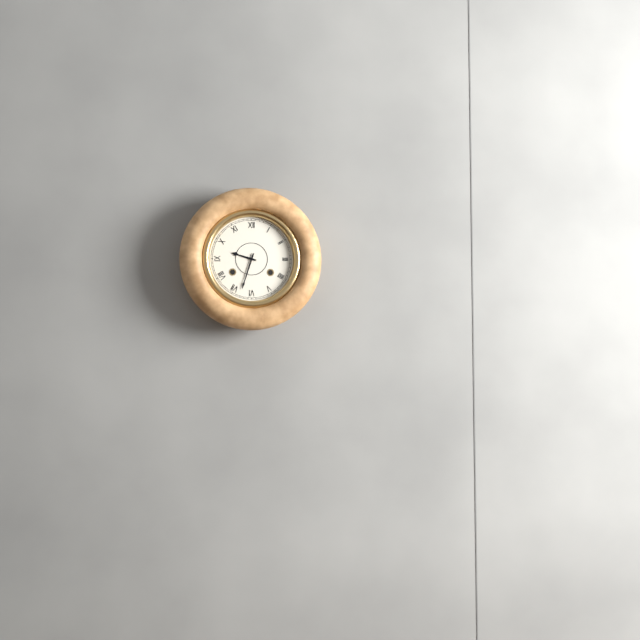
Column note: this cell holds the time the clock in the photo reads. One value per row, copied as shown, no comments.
9:33
